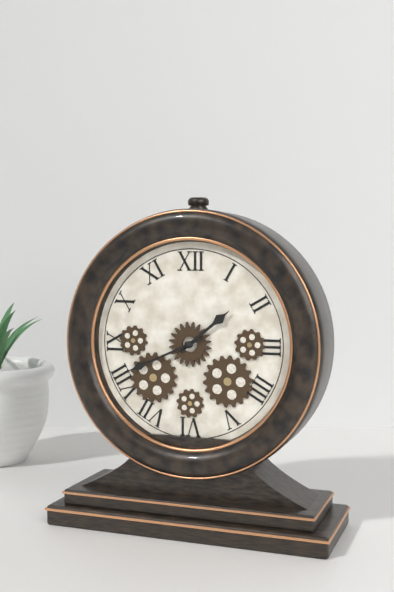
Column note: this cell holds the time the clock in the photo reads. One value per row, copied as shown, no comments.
1:41
